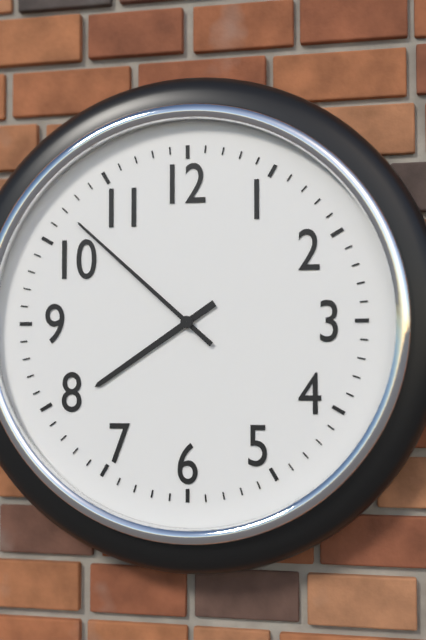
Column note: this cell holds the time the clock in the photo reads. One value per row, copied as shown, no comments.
7:52
